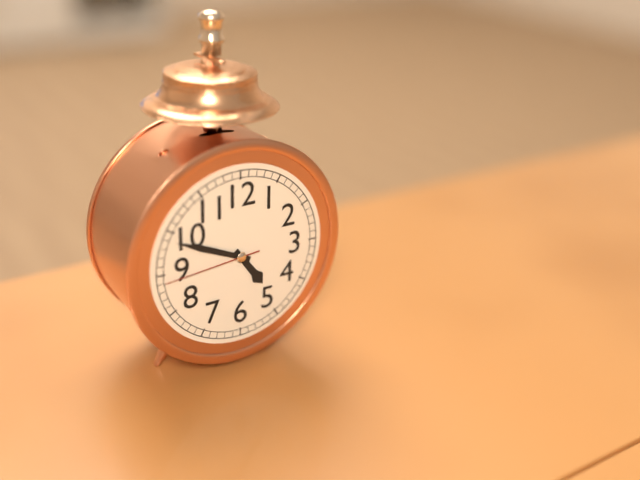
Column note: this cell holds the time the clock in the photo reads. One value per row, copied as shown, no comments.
4:49:44
